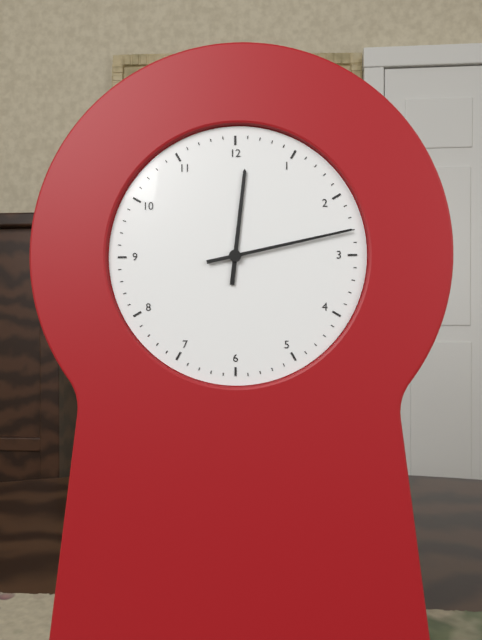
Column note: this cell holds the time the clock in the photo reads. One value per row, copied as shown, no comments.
12:13
